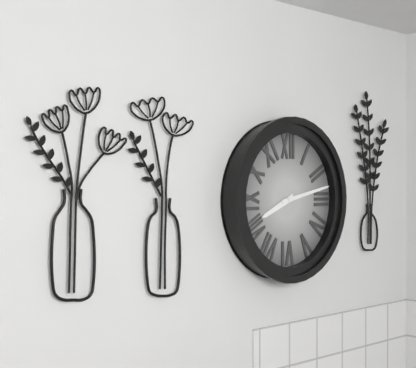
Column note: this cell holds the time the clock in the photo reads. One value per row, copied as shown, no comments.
8:13
